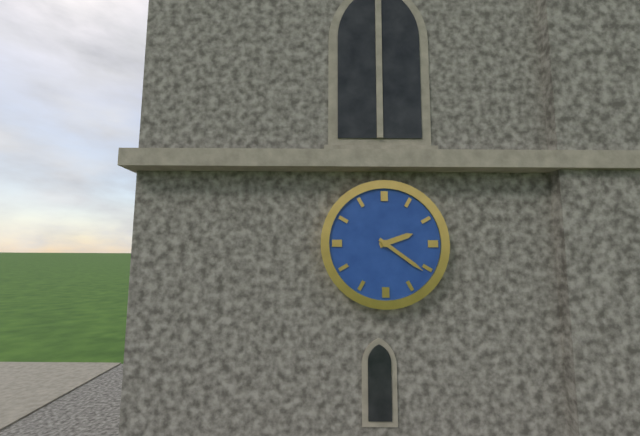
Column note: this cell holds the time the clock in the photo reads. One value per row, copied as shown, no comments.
2:21
